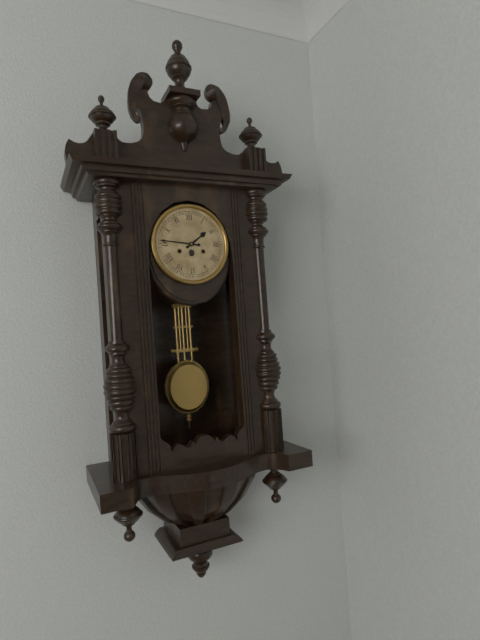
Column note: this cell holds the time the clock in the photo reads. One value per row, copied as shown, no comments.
1:46
